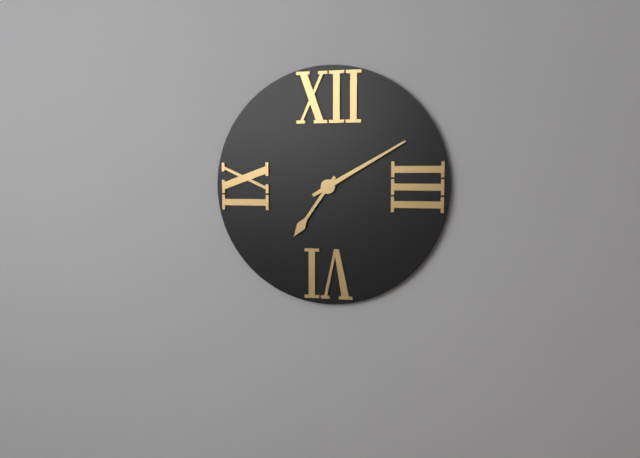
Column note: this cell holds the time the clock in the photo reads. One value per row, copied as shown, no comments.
7:10
